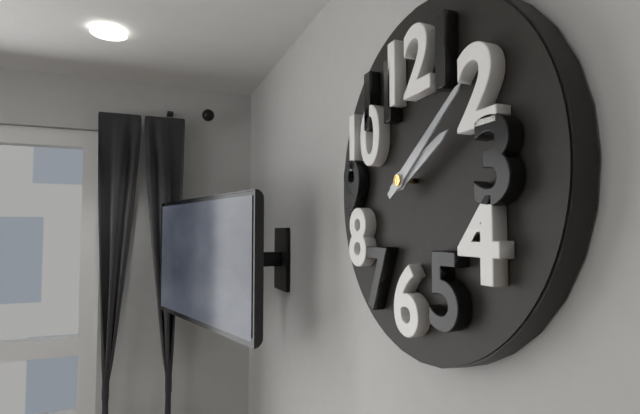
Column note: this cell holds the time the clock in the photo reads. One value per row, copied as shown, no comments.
2:09
